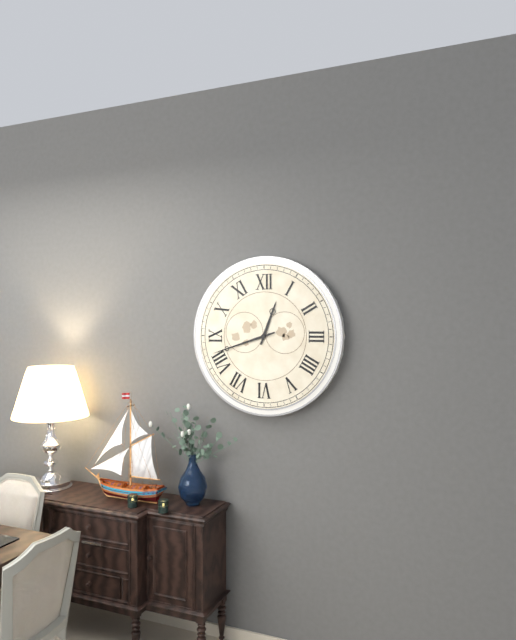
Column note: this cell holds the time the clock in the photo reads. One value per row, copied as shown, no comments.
12:42
